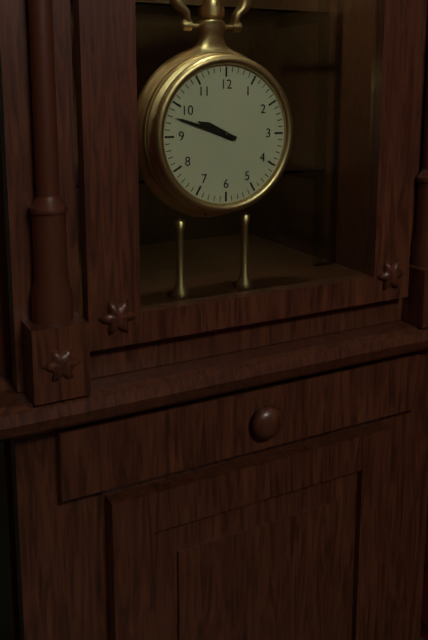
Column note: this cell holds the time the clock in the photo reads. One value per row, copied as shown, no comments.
9:48
